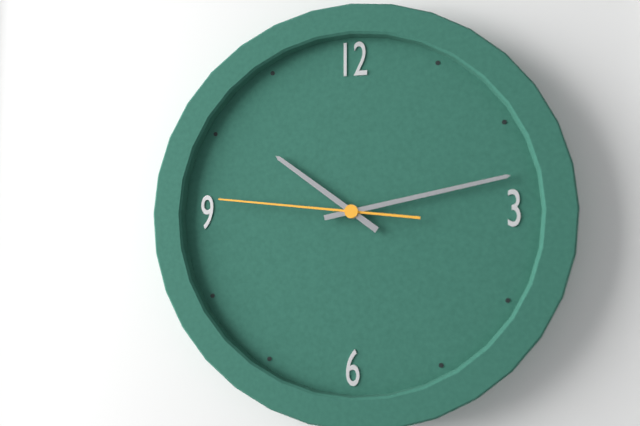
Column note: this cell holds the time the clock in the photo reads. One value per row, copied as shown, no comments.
10:13:46
